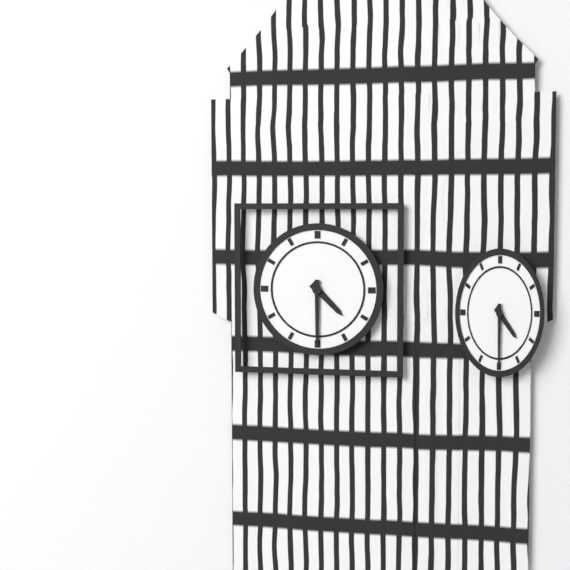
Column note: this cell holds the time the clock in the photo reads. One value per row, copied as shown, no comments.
4:30
